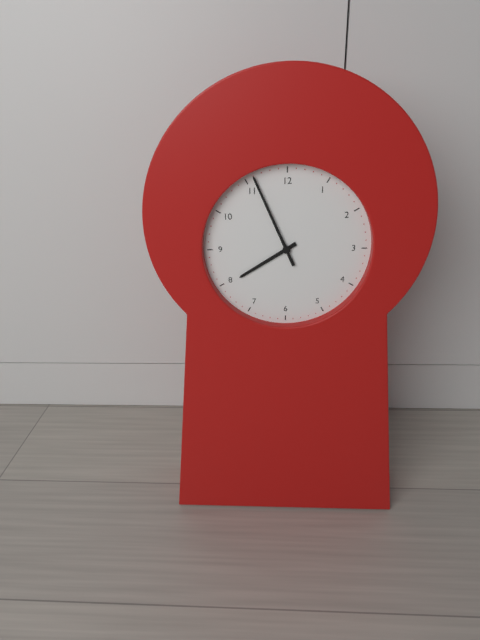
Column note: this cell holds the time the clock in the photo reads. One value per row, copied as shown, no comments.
7:56
